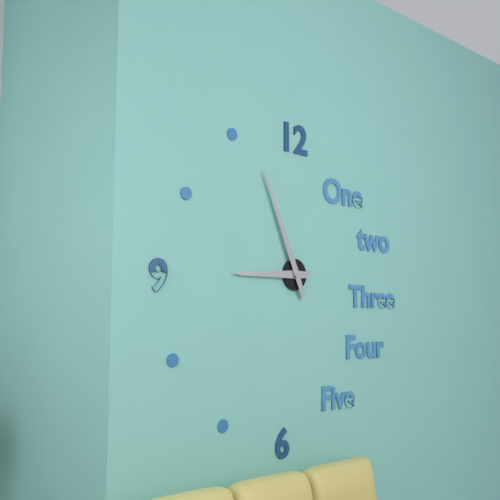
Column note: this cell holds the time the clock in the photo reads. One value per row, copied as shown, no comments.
8:56
